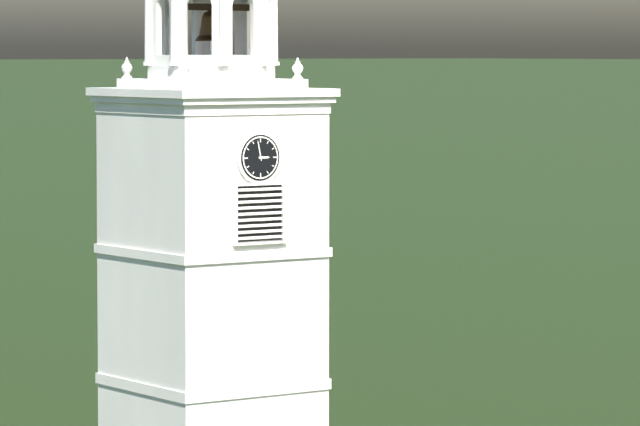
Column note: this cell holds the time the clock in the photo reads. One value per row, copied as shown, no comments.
2:58
